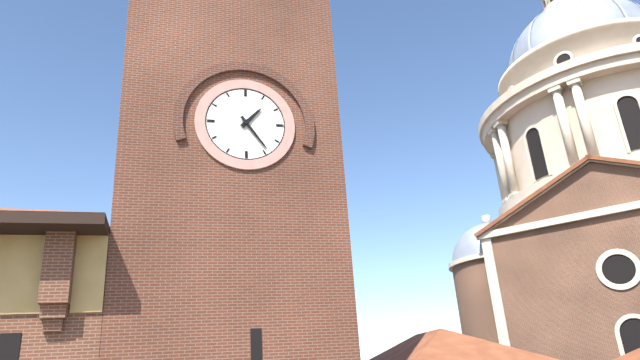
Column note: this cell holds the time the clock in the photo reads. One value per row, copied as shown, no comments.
1:24
